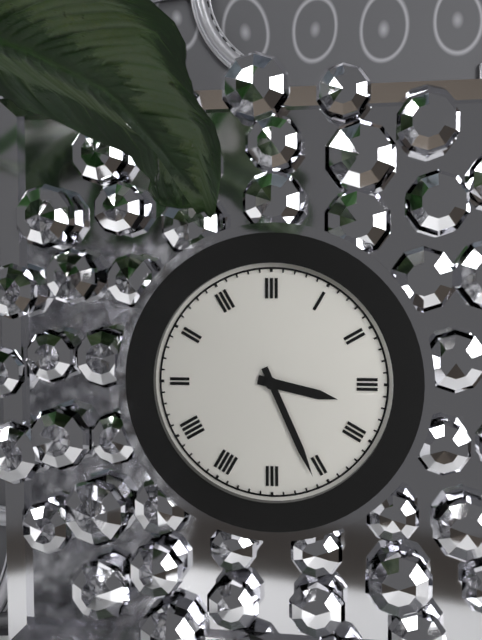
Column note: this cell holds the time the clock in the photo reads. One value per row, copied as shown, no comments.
3:26
